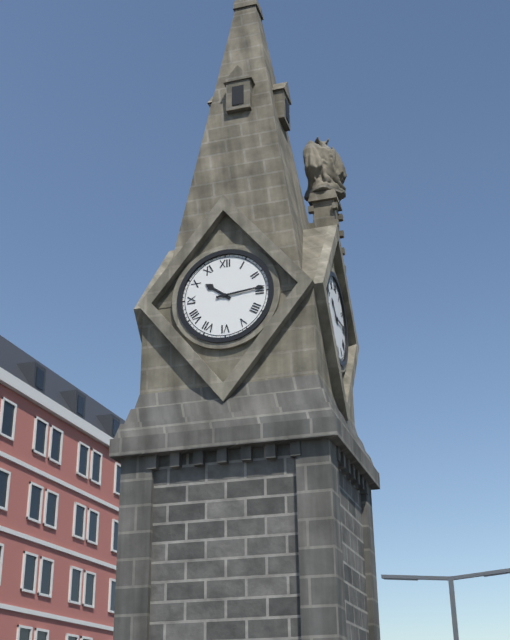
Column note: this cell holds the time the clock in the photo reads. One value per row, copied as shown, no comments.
10:14
